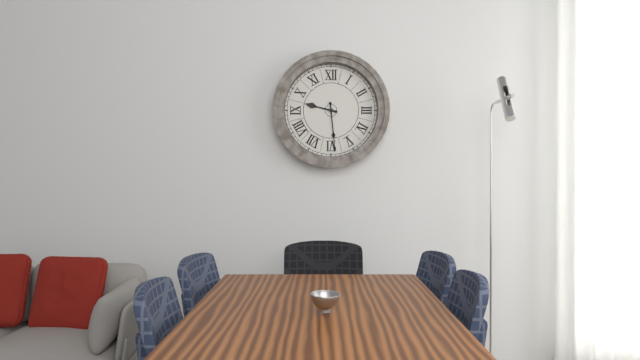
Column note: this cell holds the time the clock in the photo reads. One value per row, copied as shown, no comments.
9:29
